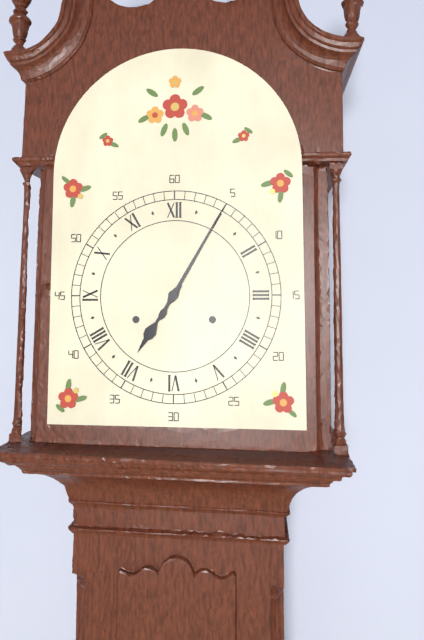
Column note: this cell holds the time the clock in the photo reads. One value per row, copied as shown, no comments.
7:05
